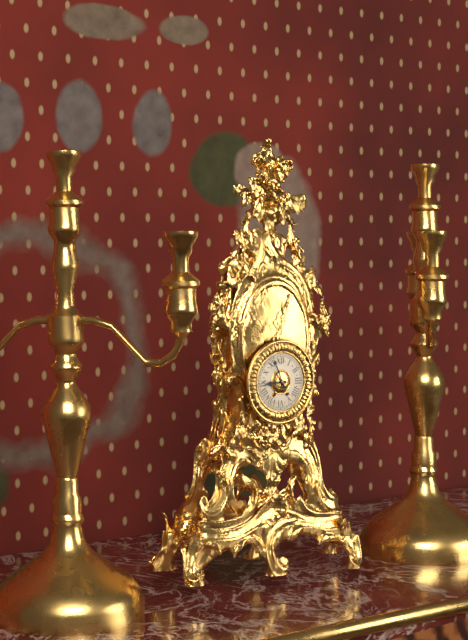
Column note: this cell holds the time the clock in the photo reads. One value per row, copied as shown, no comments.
8:56
